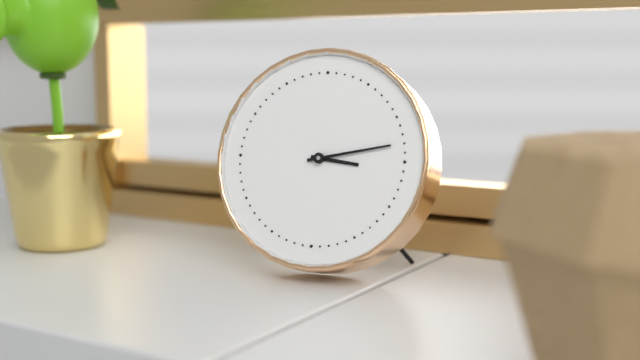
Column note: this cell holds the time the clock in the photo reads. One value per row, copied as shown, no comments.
3:13
